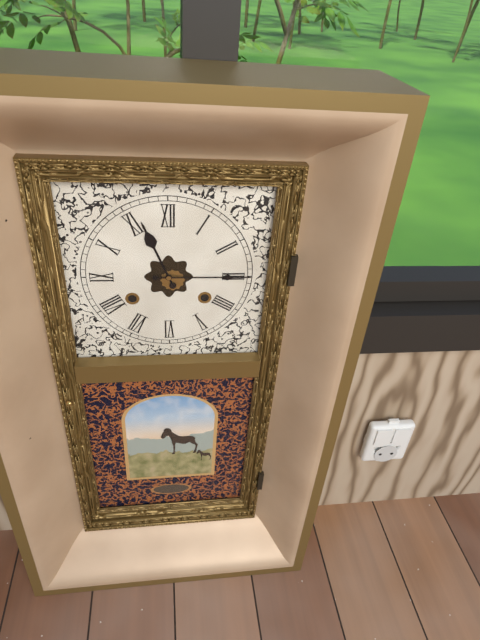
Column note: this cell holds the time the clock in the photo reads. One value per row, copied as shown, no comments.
11:15
